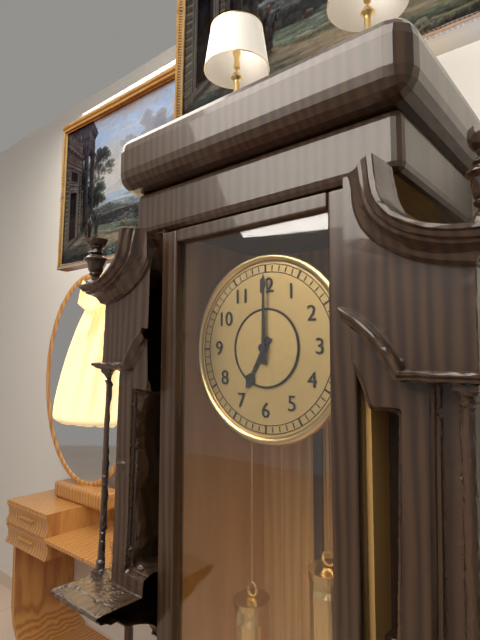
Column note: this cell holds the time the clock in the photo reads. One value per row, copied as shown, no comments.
7:00
